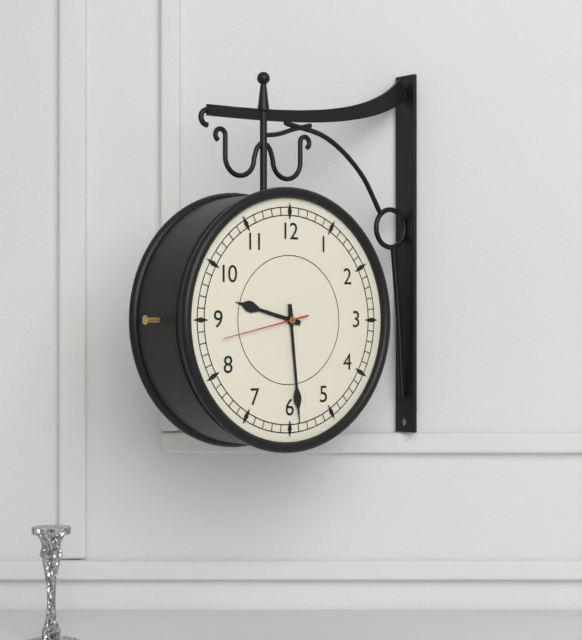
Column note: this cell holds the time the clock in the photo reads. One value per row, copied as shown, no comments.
9:29:43
